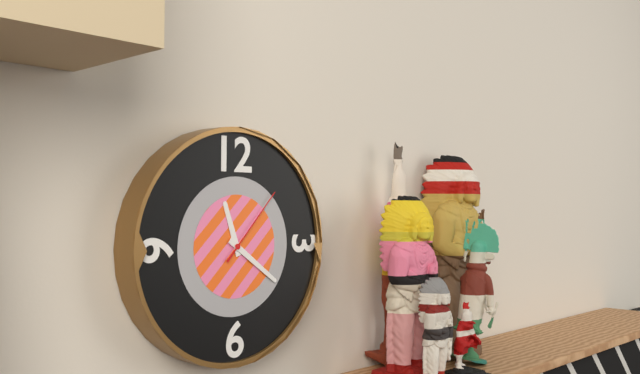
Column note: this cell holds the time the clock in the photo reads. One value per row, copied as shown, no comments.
11:21:07
